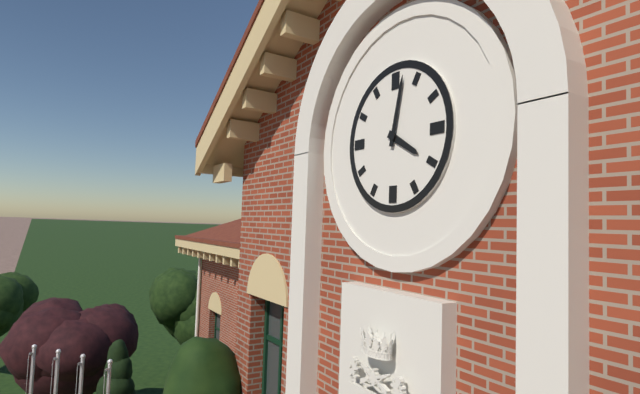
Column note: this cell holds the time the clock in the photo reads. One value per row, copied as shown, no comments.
4:02
